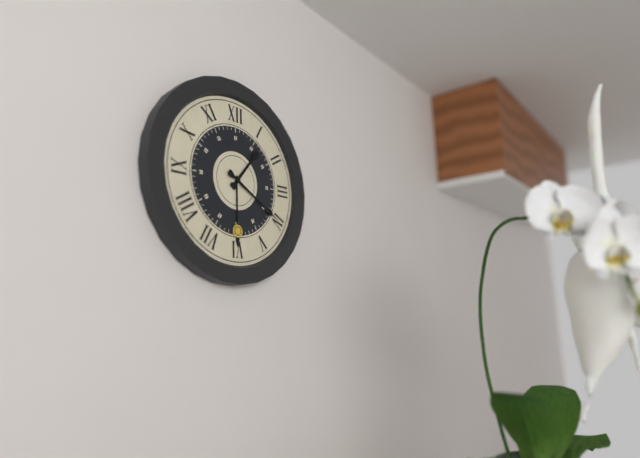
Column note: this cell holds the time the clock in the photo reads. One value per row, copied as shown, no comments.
1:20
